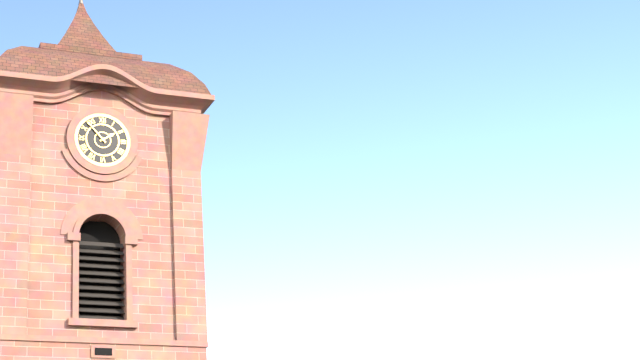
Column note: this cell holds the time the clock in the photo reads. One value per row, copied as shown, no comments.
1:53
